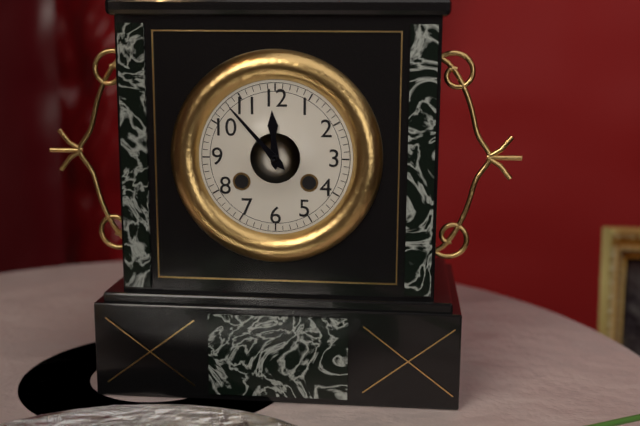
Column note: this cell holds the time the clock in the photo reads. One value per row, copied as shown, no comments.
11:53
